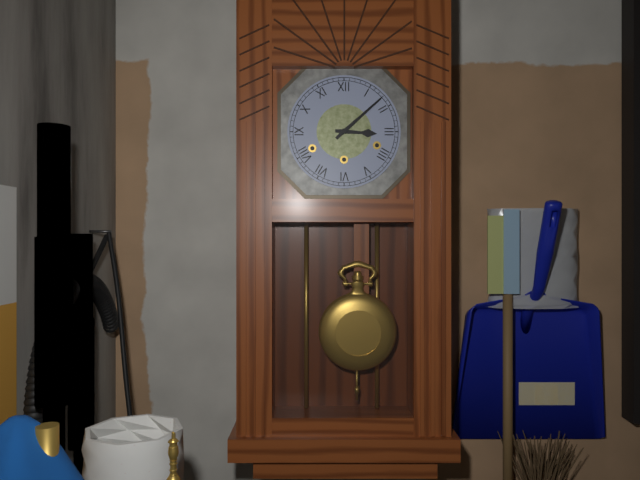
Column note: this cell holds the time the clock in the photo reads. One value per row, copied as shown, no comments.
3:08
